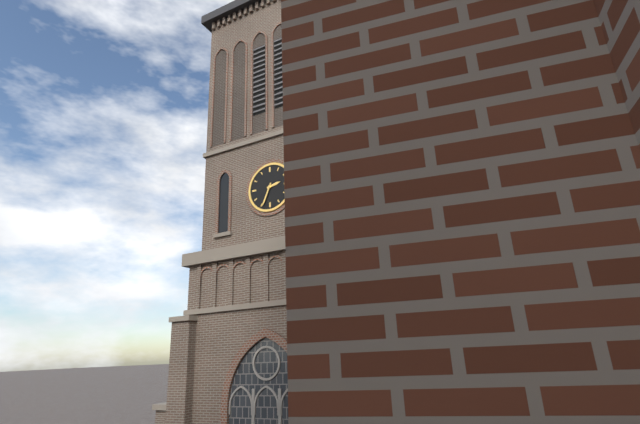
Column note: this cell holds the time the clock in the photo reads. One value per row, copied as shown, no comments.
2:34
